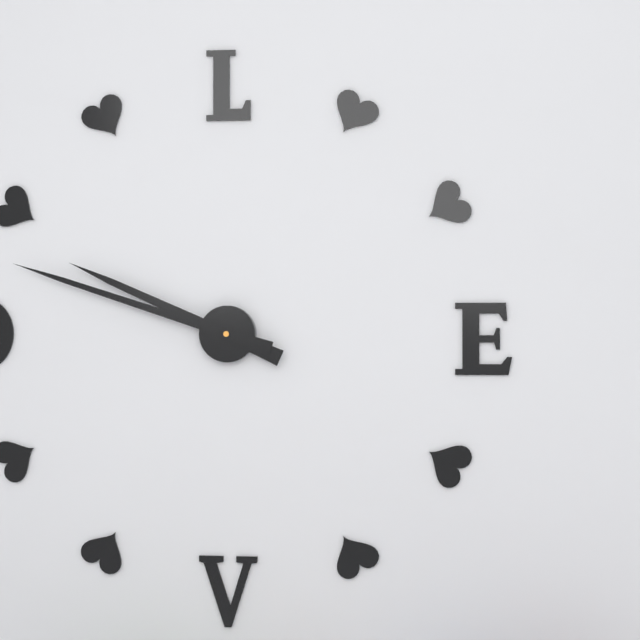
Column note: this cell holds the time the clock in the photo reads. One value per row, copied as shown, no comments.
9:48
